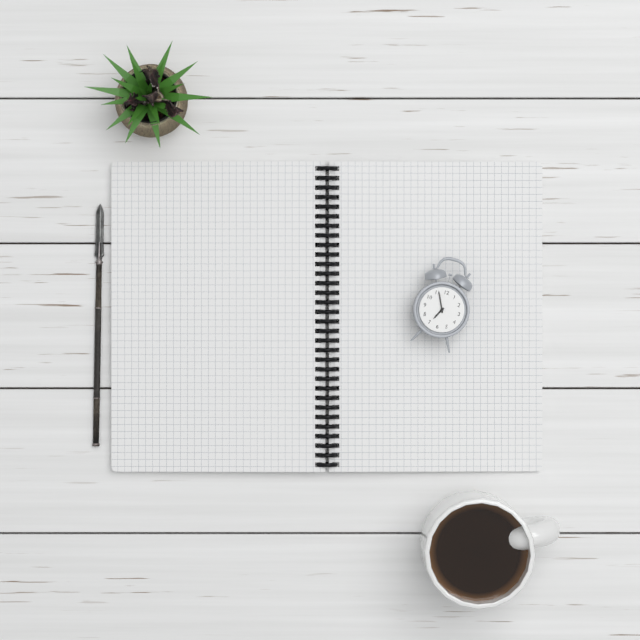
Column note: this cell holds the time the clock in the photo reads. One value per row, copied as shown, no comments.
6:56
